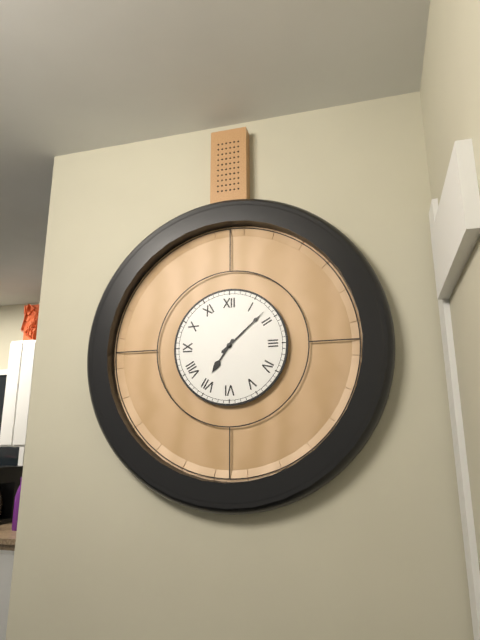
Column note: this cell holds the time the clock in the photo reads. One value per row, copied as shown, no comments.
7:08
